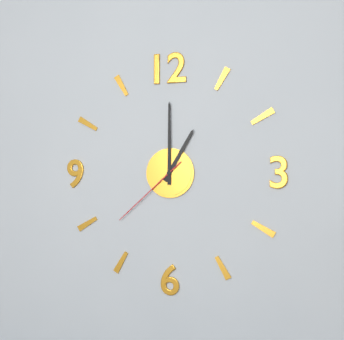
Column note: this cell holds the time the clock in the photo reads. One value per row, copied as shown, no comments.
1:00:38
